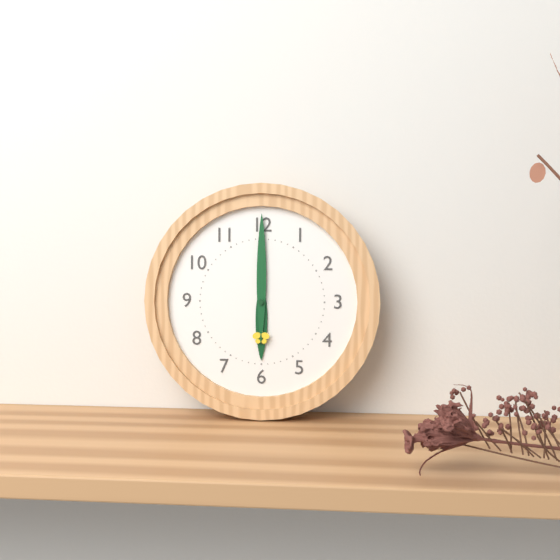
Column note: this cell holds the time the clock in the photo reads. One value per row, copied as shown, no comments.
6:00
